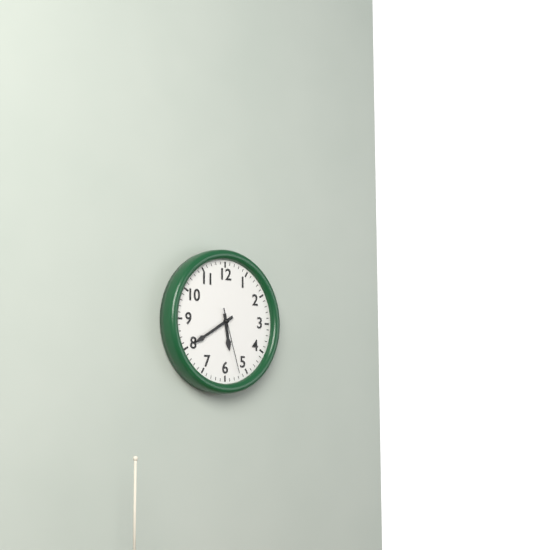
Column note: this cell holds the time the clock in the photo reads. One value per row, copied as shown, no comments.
5:40:27
